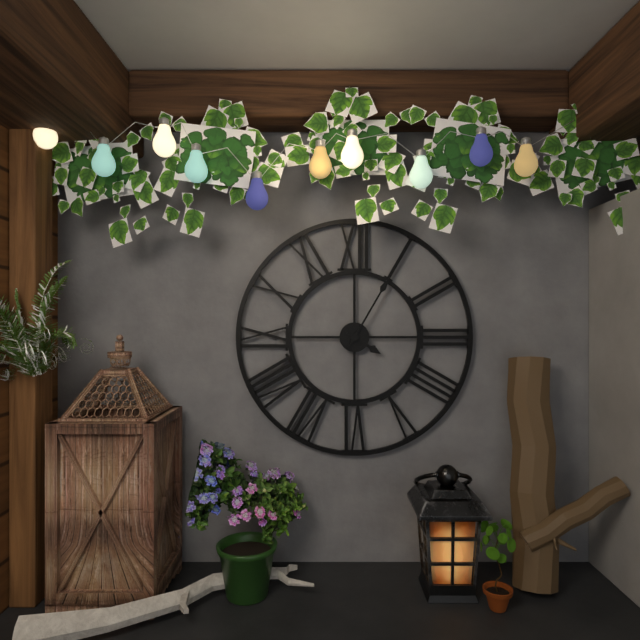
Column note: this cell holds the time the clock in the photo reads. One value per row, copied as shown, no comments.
4:05
